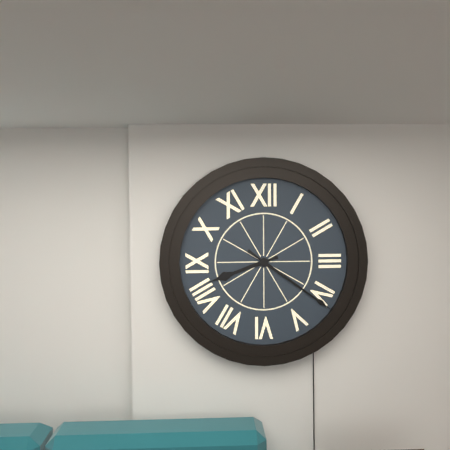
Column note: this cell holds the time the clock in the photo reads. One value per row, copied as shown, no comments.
8:21
